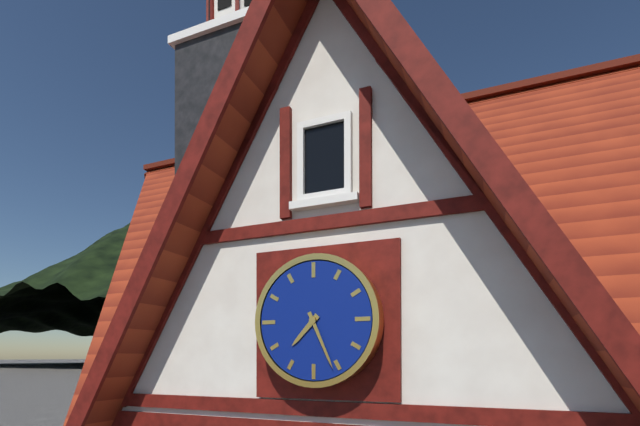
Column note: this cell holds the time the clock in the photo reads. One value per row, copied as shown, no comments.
7:26
